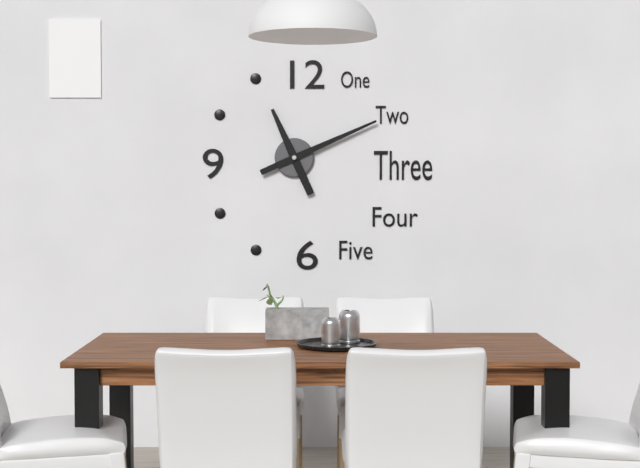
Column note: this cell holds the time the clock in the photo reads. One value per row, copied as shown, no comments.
11:11
